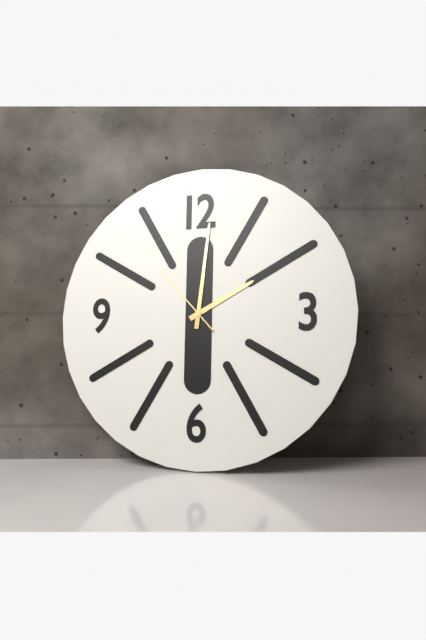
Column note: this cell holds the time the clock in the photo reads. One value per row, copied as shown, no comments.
2:01:53
